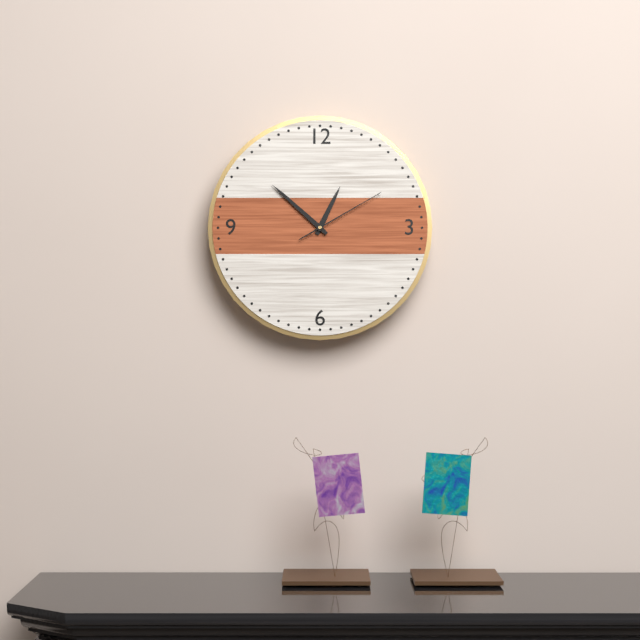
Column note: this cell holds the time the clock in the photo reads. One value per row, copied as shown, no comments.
12:52:10
